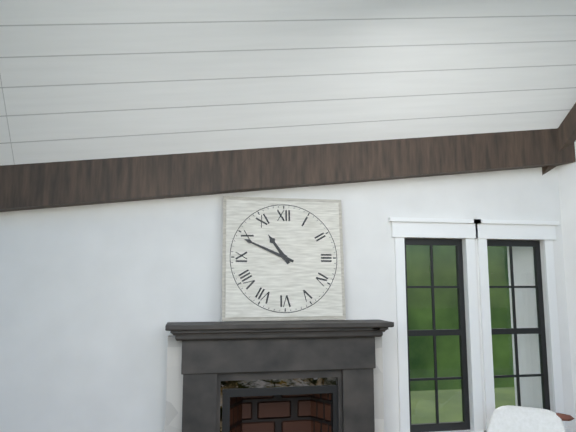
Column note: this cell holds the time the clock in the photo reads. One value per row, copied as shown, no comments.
10:49
